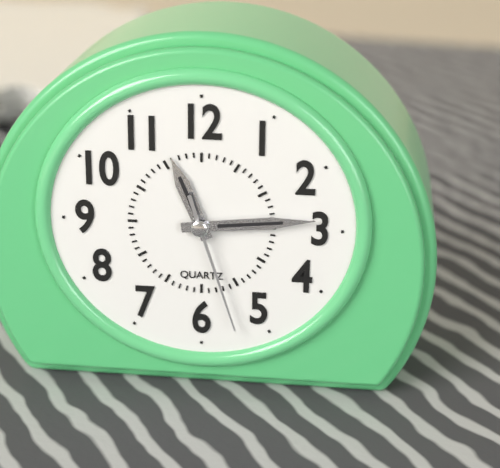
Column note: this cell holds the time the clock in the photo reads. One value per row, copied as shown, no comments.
11:14:27
